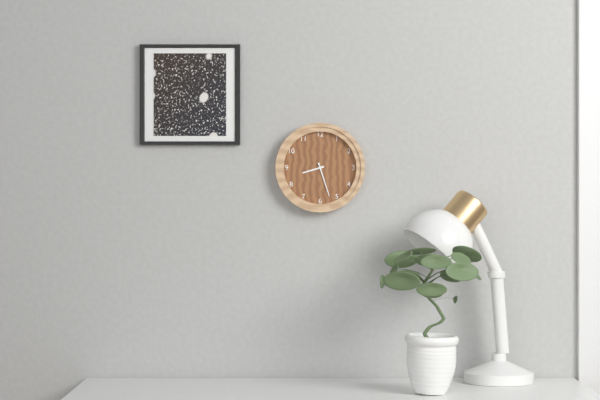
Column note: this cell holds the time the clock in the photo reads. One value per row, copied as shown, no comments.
8:27
